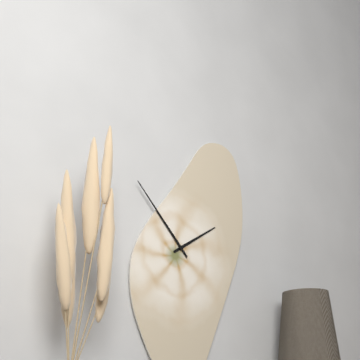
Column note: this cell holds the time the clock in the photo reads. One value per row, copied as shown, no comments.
1:53
